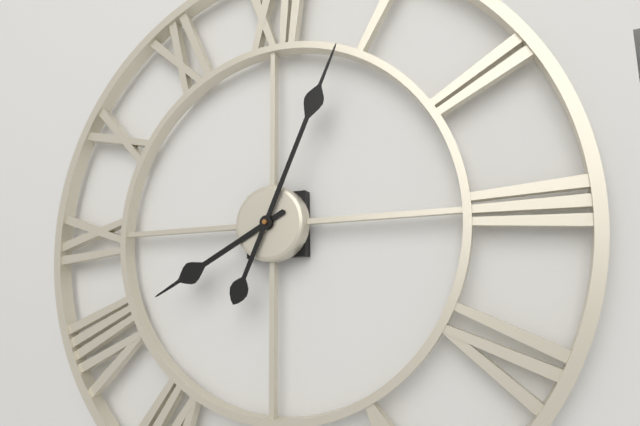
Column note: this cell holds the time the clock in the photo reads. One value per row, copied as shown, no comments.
8:04
